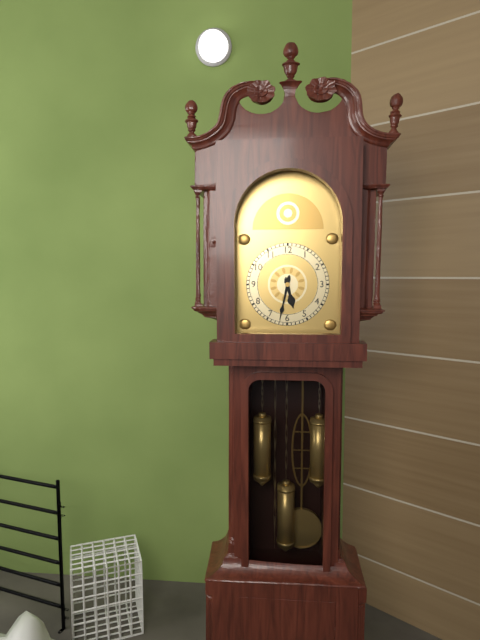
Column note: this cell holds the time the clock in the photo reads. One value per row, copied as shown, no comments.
5:32
